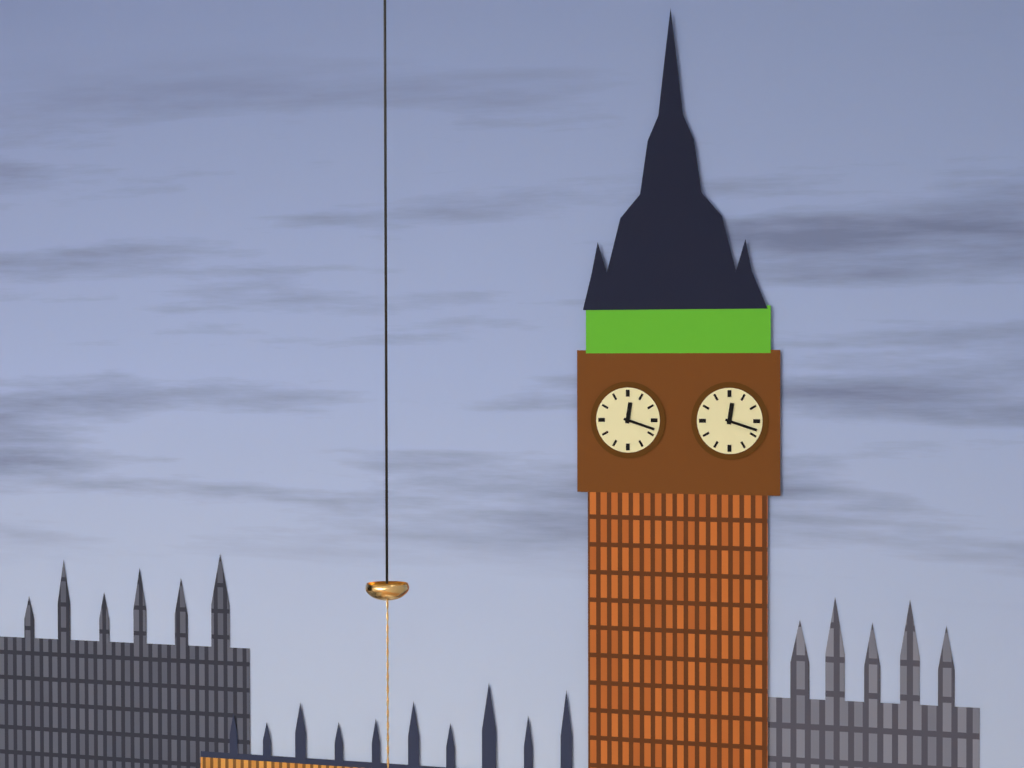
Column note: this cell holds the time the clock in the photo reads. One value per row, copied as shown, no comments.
12:18
